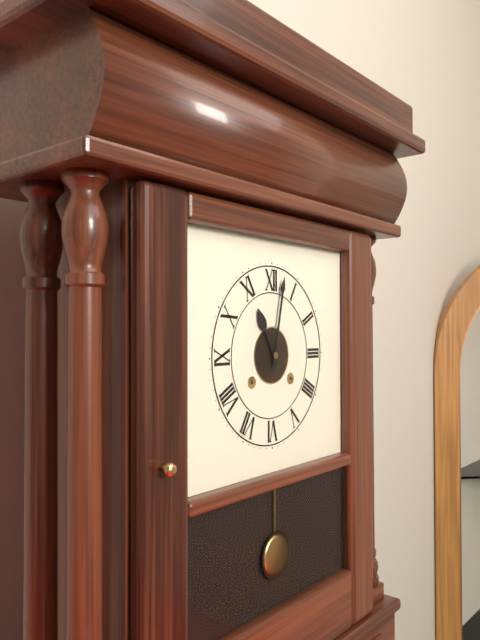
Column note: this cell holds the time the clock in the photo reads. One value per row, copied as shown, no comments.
11:02
